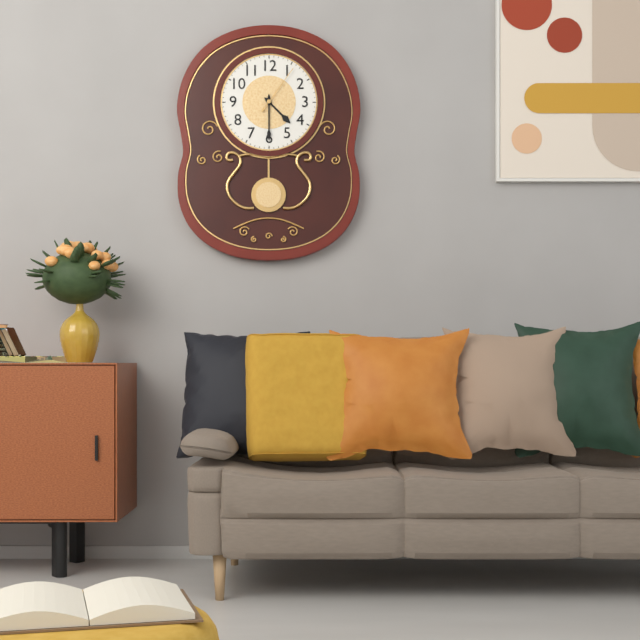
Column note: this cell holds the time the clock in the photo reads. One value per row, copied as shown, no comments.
4:30:06
